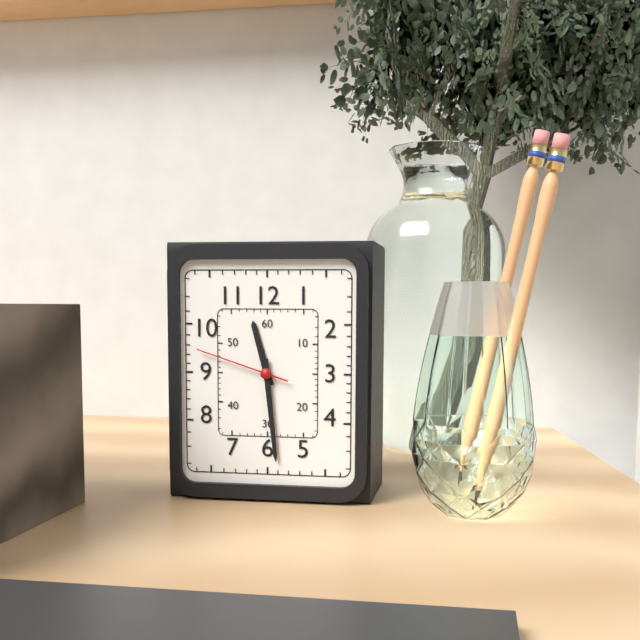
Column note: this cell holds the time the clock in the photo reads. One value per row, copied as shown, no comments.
11:29:48
